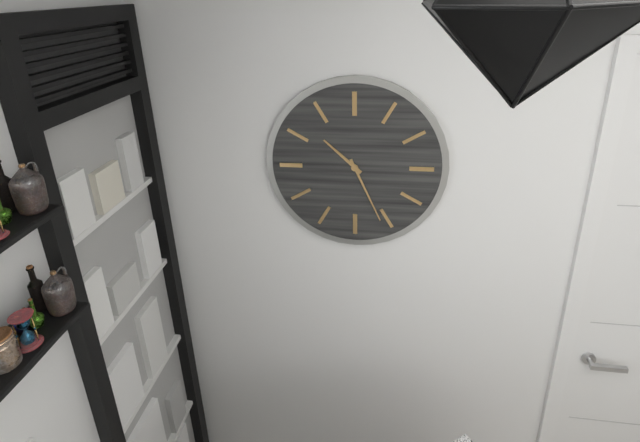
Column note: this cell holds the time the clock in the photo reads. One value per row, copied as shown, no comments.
10:26
